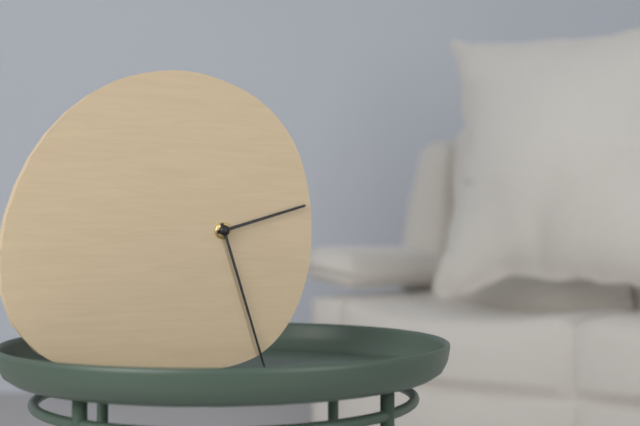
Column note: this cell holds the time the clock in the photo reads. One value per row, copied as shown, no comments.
2:27
